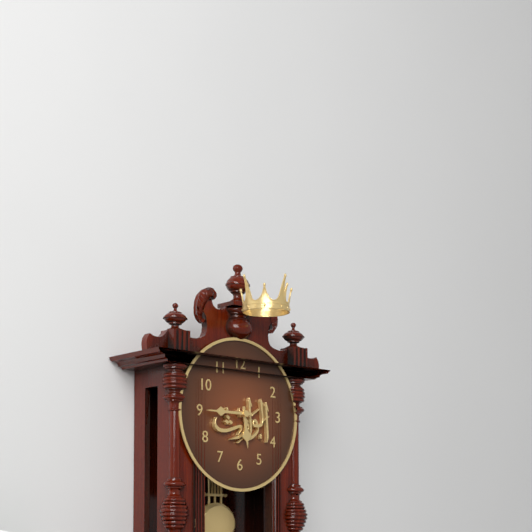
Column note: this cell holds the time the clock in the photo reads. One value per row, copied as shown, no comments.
5:45
